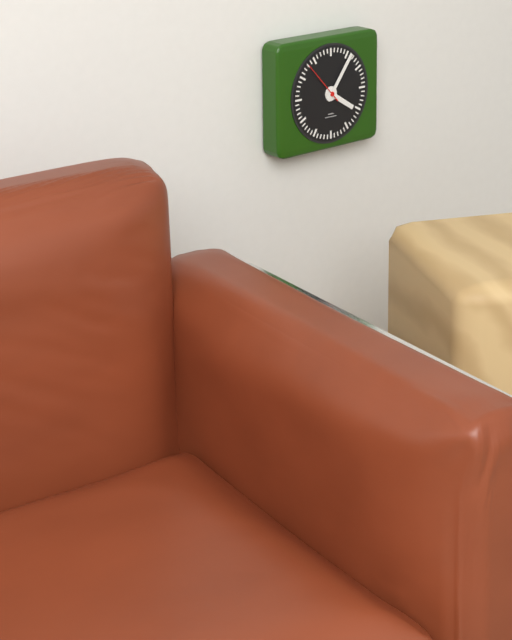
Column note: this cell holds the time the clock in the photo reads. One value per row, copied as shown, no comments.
4:06
